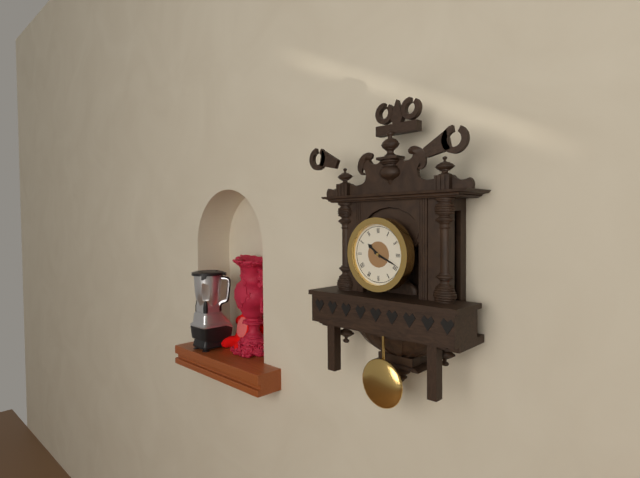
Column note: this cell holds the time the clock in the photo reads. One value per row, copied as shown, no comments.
10:19
